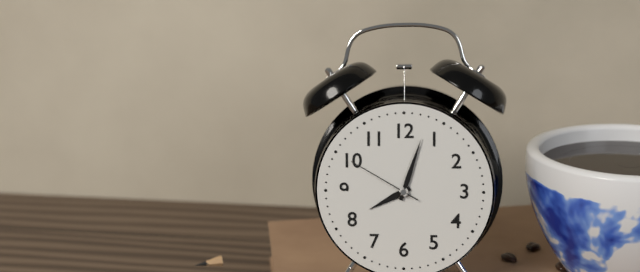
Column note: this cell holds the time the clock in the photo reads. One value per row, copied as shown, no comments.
8:03:50
